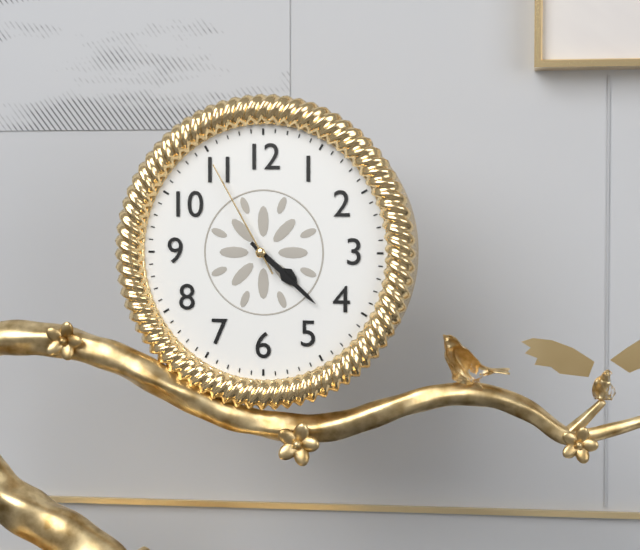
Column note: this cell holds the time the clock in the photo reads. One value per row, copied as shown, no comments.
4:22:55
